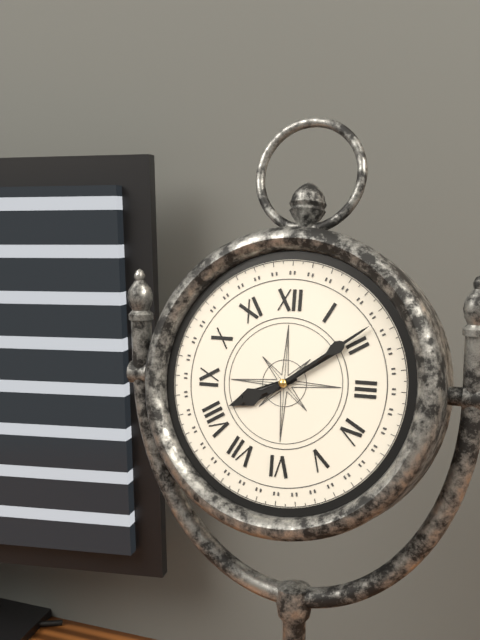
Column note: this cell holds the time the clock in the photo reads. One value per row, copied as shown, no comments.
8:09
